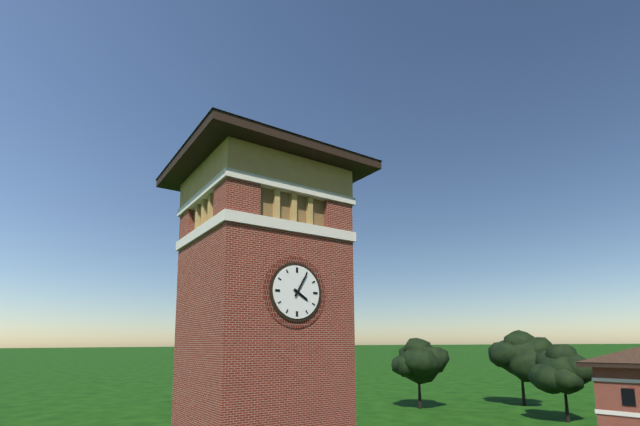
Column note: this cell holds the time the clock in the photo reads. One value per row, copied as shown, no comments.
4:05
